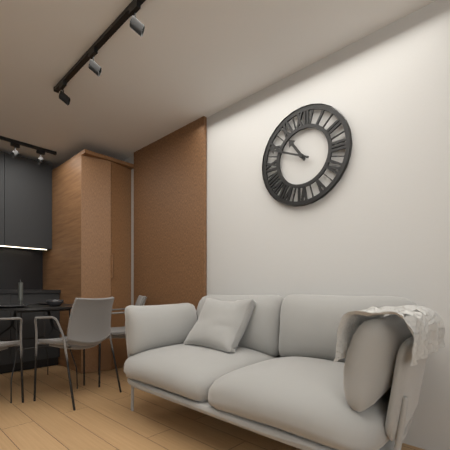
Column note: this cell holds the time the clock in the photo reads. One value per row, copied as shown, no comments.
10:49
